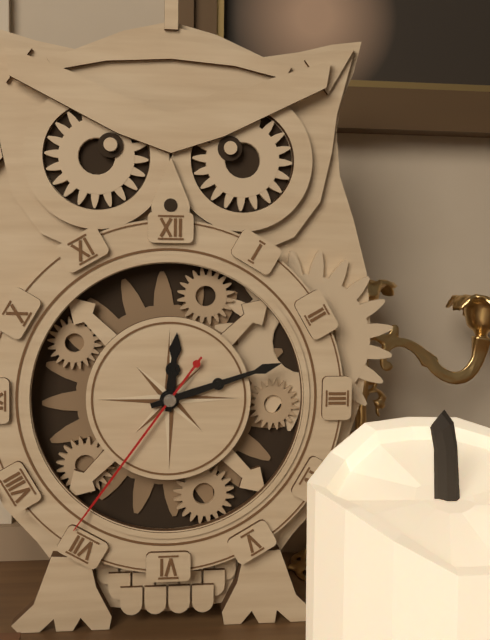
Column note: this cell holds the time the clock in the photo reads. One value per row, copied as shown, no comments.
12:12:36
